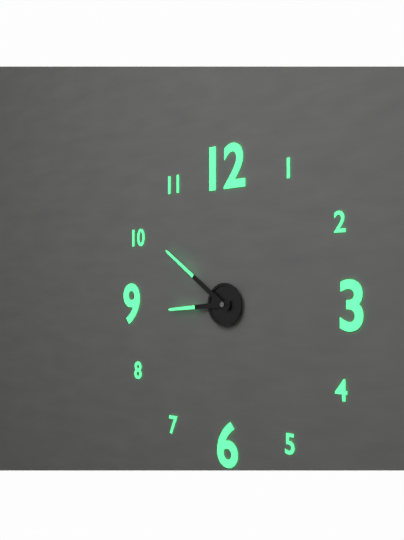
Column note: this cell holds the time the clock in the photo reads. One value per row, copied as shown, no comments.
8:51
